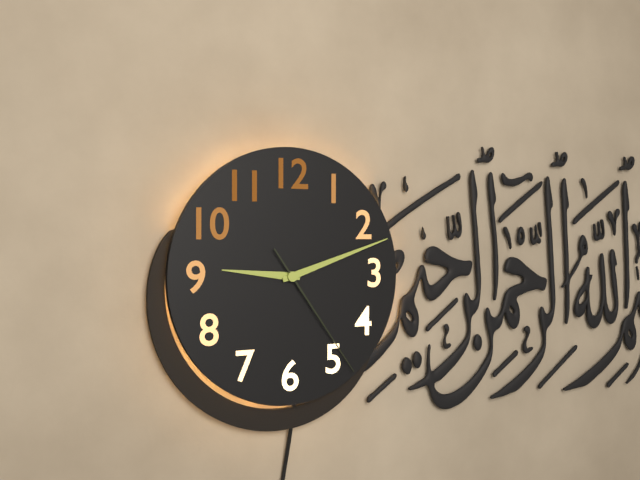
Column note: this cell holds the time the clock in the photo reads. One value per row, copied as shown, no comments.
9:12:24
